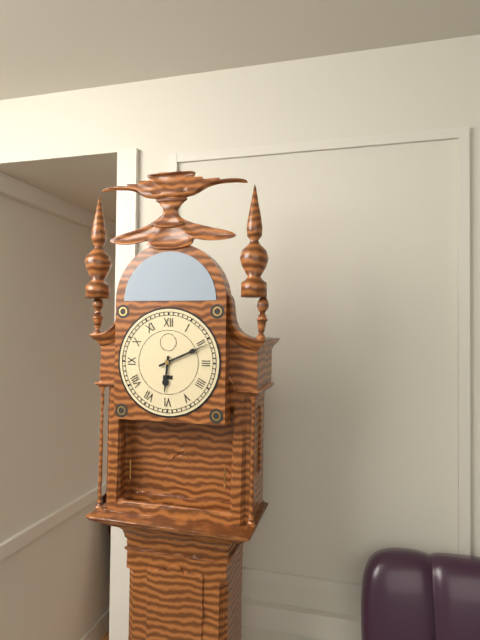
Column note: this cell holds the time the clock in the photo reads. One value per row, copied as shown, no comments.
6:11
